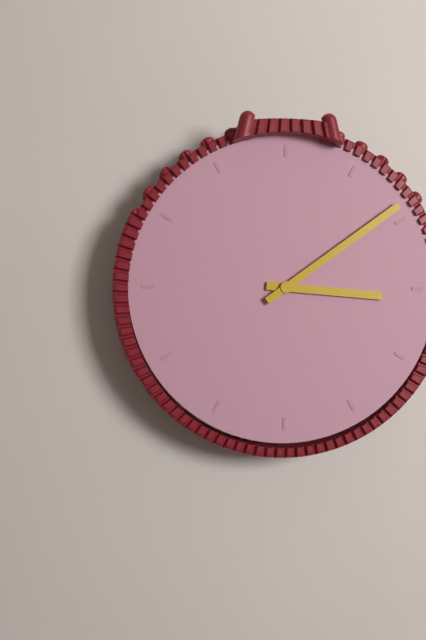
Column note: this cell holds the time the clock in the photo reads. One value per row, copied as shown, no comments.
3:09
